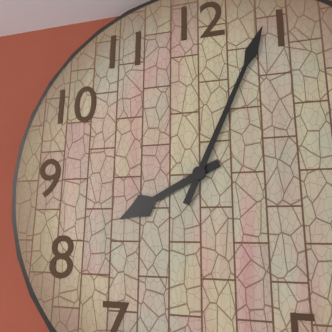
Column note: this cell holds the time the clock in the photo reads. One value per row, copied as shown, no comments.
8:04
